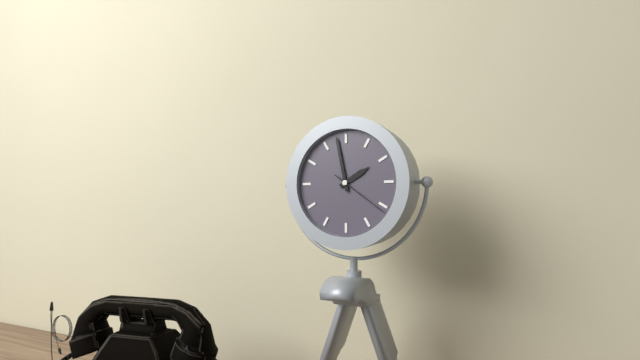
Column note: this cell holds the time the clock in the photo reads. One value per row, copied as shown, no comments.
1:58:21
